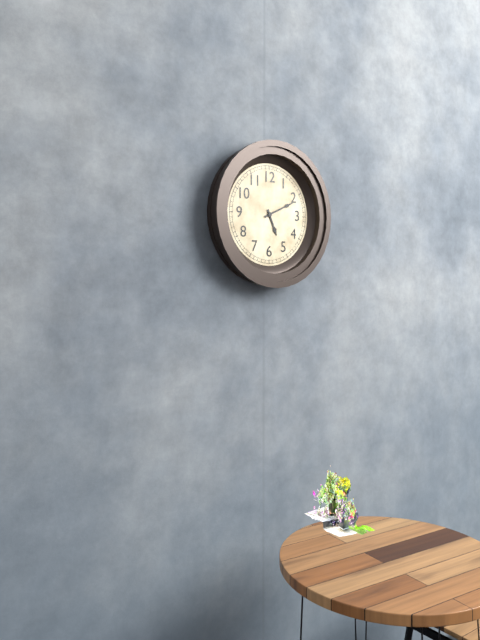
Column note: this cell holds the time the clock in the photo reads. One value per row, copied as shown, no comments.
5:11
